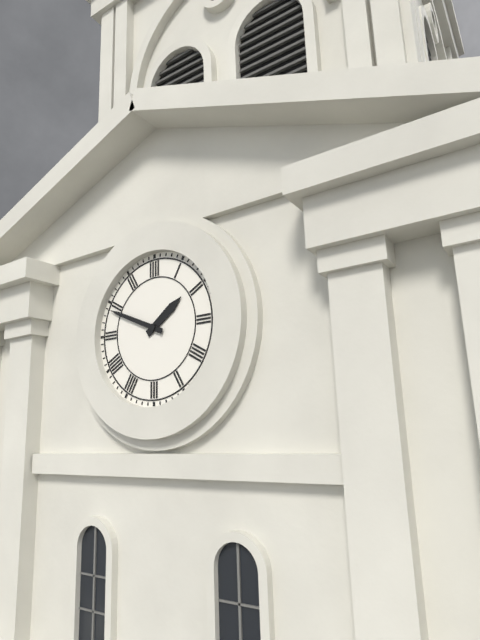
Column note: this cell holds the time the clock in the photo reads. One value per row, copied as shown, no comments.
1:49
